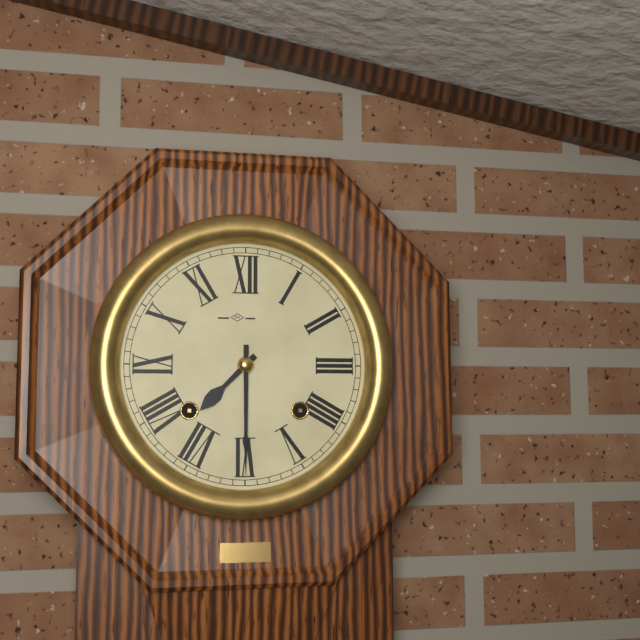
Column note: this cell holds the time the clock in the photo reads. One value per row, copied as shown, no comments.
7:30
